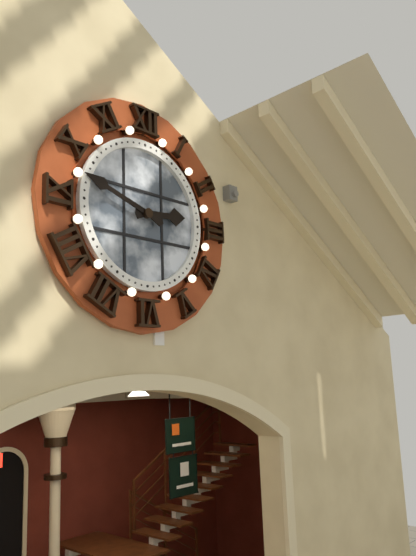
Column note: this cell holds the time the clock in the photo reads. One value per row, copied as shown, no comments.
2:48
